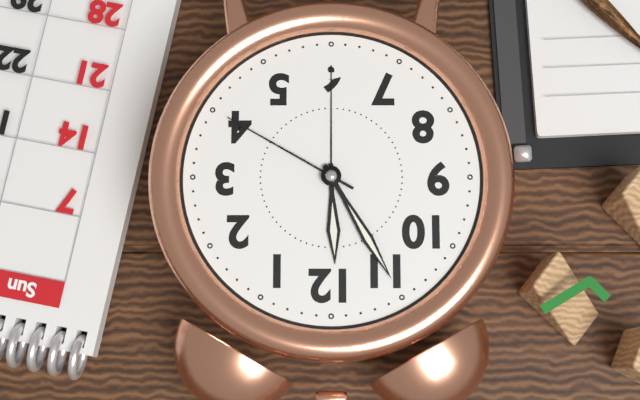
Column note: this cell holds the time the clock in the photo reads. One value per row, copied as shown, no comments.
11:55:20
